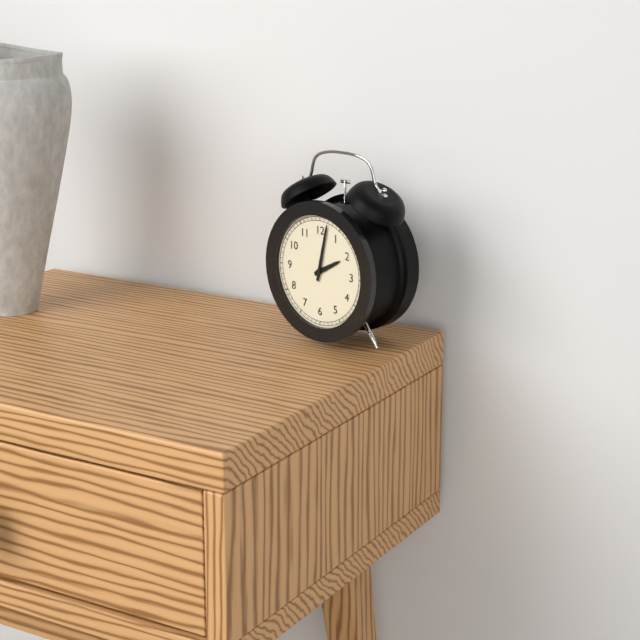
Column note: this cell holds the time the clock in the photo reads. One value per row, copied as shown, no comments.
2:02
